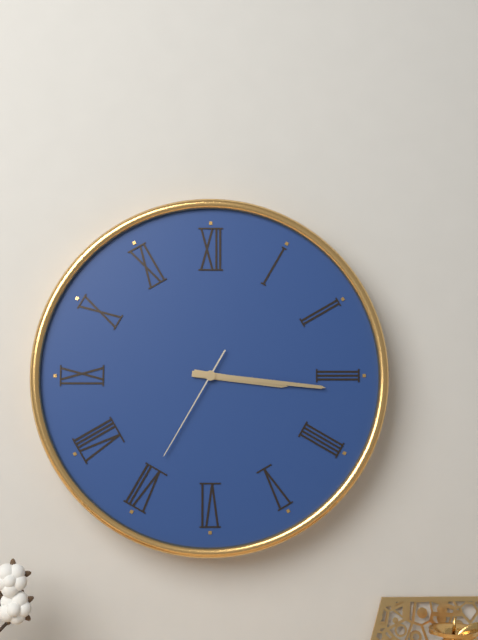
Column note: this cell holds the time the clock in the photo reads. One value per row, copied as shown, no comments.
3:16:35
